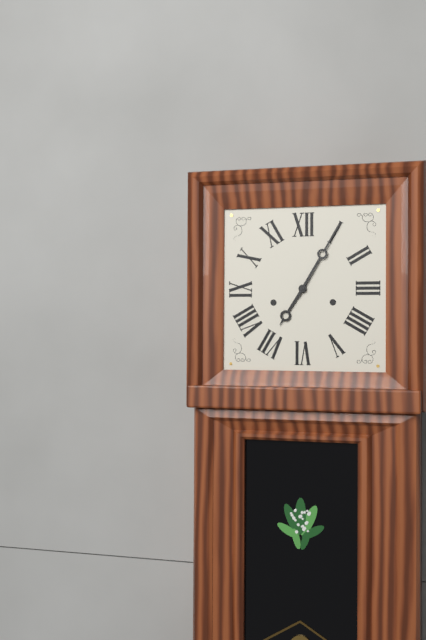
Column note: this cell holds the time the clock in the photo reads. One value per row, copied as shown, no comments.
7:05
